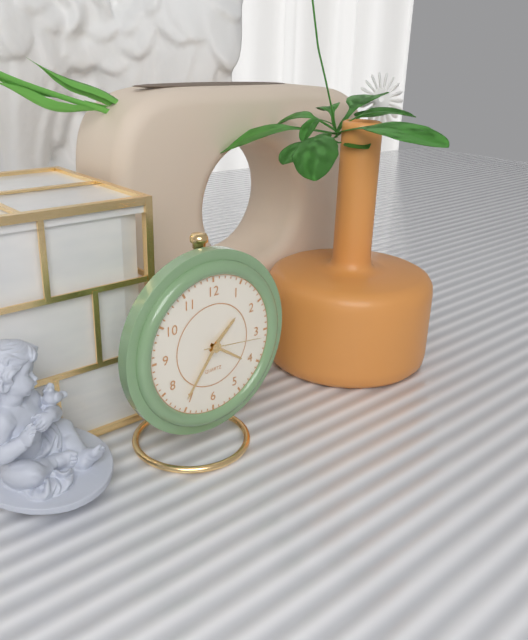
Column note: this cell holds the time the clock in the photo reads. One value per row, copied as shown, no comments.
1:36:16
